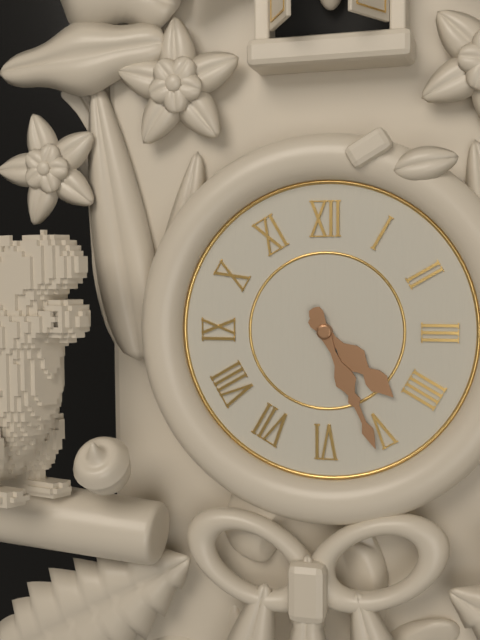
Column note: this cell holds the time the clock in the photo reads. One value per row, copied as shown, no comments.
4:26
